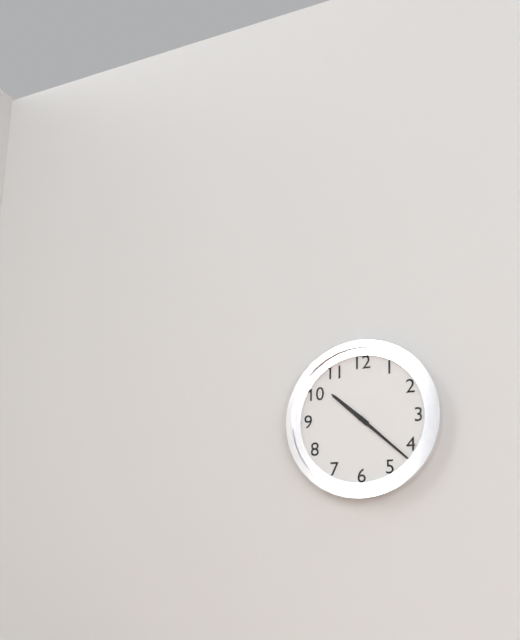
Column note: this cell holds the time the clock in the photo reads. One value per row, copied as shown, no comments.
10:22
